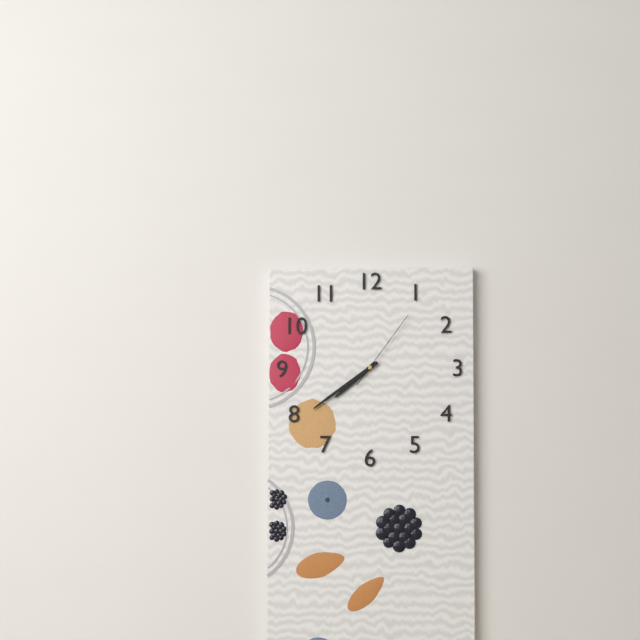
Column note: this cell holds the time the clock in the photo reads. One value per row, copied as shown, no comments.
7:39:06
